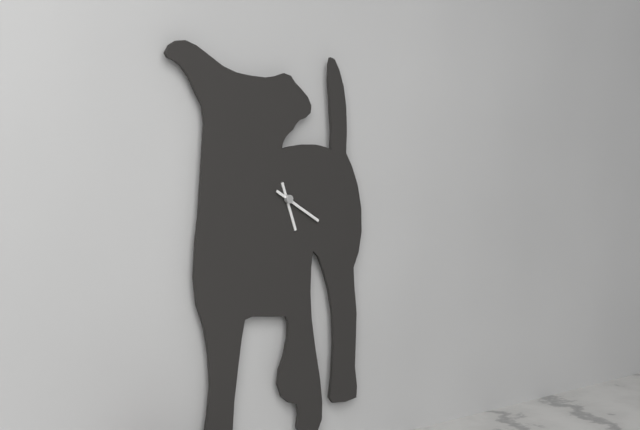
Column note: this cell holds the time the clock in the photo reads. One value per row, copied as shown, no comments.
5:20
